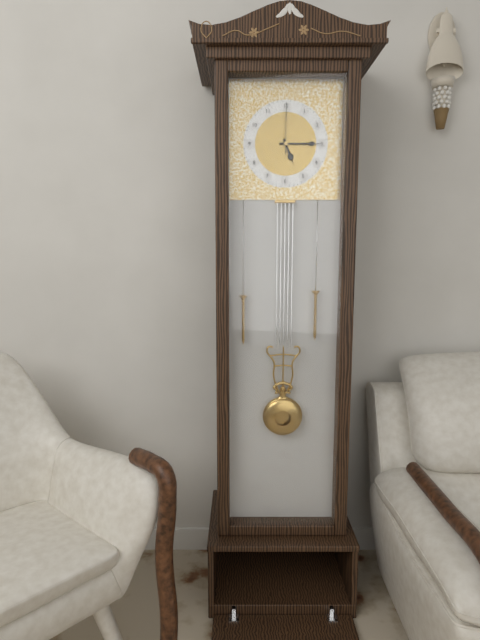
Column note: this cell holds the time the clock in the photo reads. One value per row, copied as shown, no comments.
5:15:00
